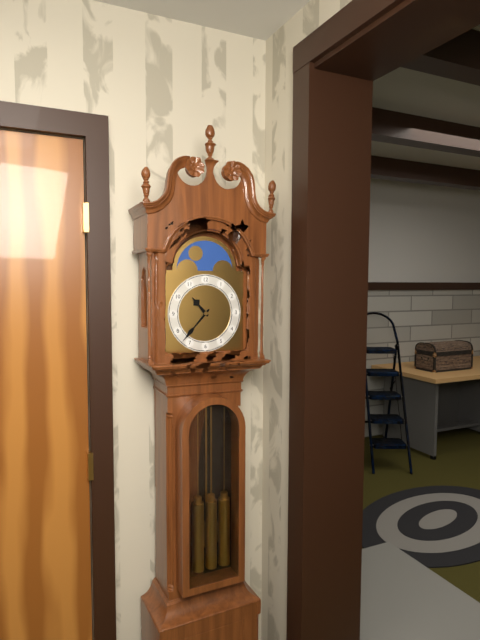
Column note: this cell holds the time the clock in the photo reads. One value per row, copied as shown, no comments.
10:37
